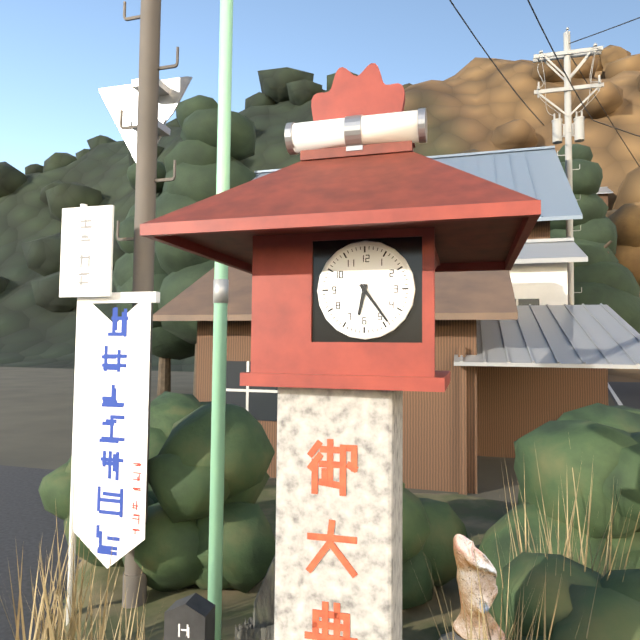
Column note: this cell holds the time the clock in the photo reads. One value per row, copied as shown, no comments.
6:24
